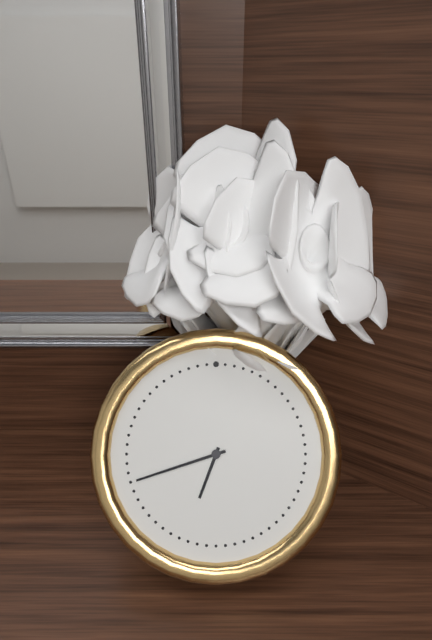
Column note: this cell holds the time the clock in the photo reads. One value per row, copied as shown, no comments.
6:42
